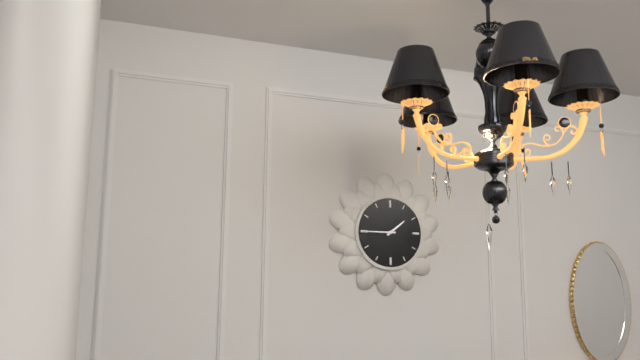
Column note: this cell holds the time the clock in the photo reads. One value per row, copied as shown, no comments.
1:45
